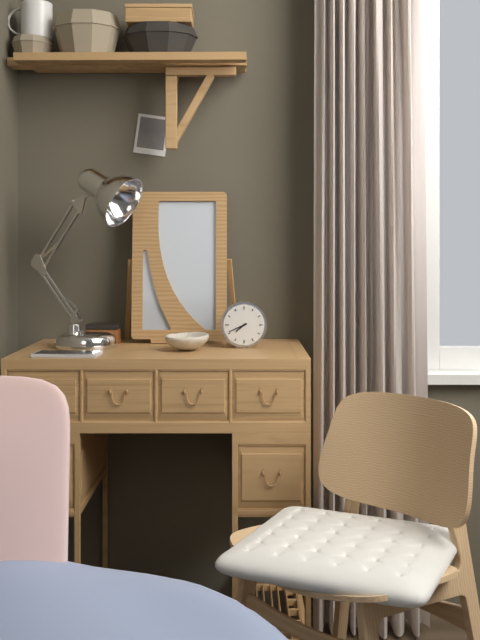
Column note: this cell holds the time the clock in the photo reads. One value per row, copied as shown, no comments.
7:41
